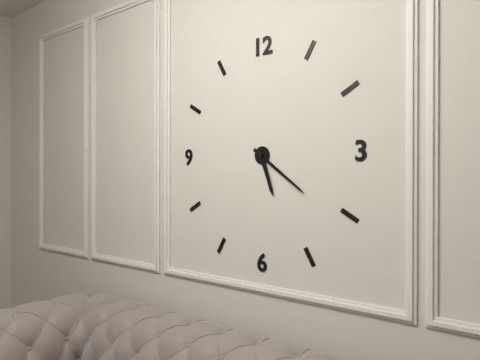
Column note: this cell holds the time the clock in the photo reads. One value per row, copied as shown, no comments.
5:21
